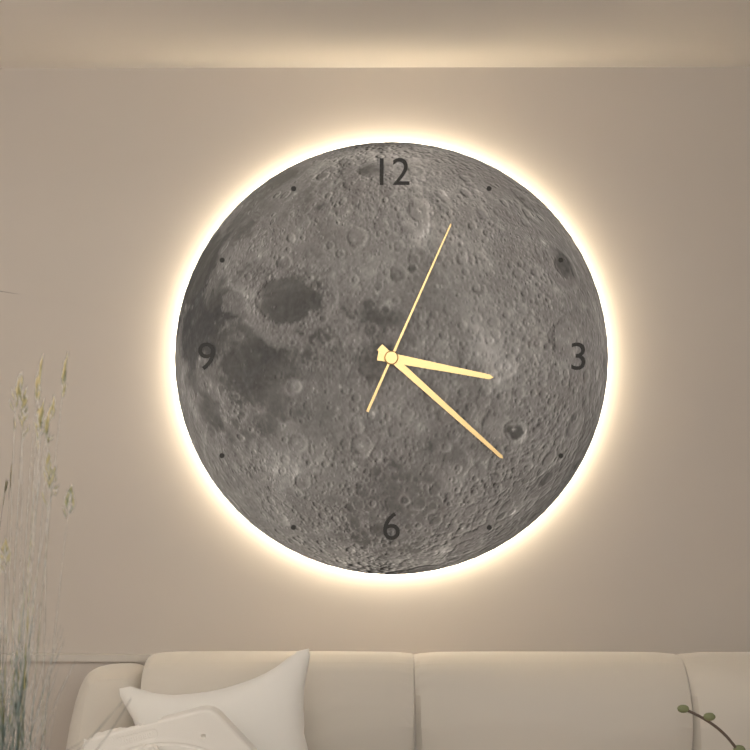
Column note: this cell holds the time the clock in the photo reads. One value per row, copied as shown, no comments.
3:22:04
